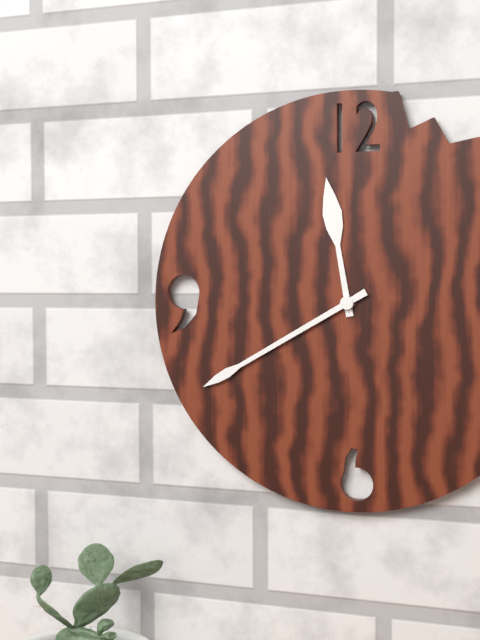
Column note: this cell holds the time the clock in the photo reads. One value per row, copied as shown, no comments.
11:40
